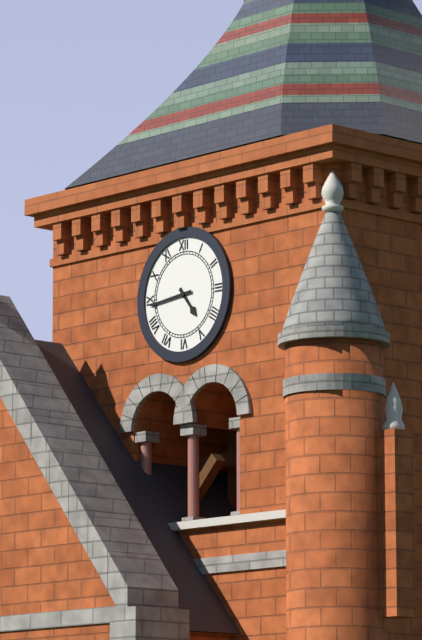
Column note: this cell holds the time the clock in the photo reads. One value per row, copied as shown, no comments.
4:44
